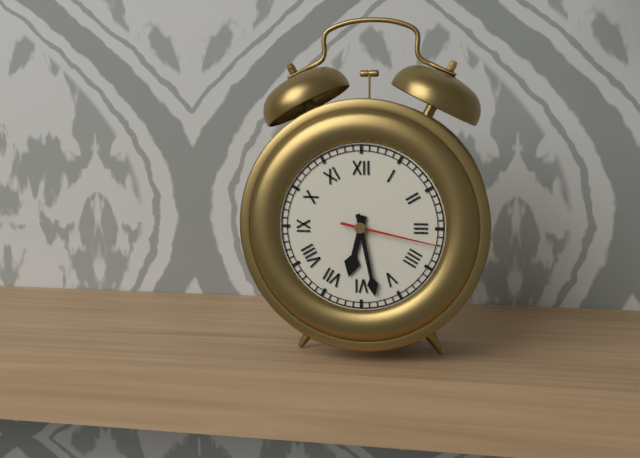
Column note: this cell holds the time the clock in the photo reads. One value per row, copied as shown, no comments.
6:28:17
